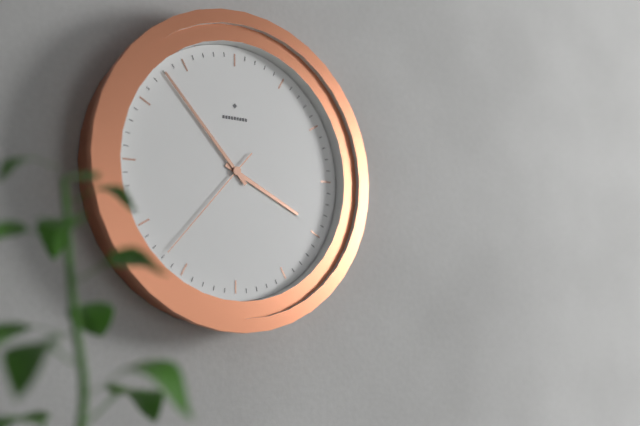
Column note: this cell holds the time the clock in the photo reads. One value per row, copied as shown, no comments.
3:53:37
